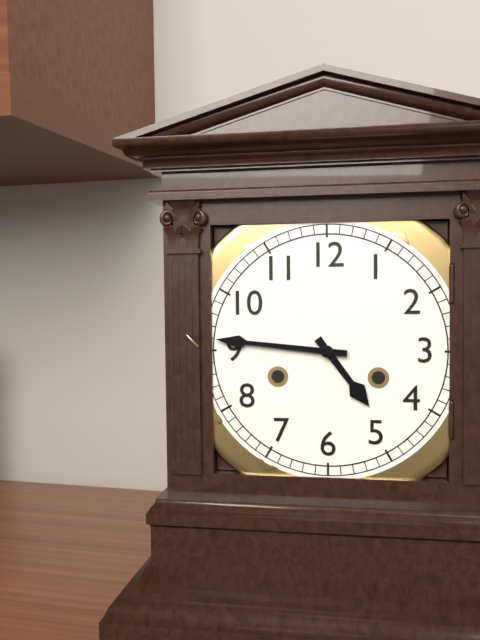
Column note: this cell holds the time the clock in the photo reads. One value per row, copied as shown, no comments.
4:46
